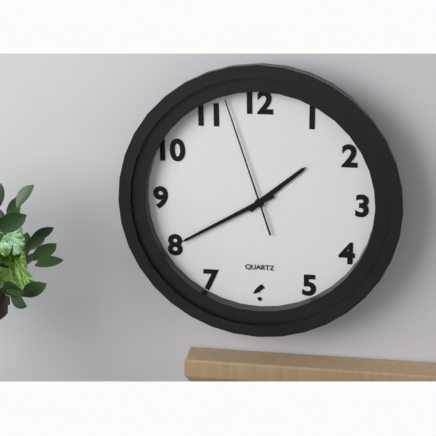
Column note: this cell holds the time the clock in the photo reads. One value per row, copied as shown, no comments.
1:40:57
